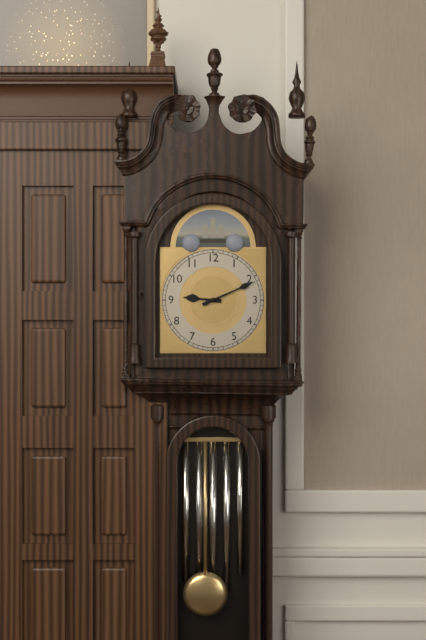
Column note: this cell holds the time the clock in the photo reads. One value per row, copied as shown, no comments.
9:11
